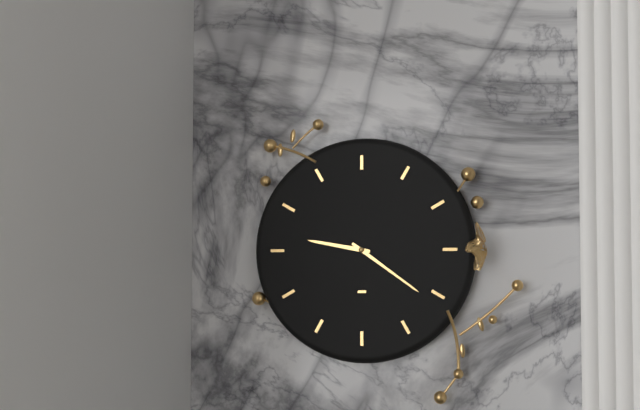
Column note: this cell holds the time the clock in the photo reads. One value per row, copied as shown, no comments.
9:21
